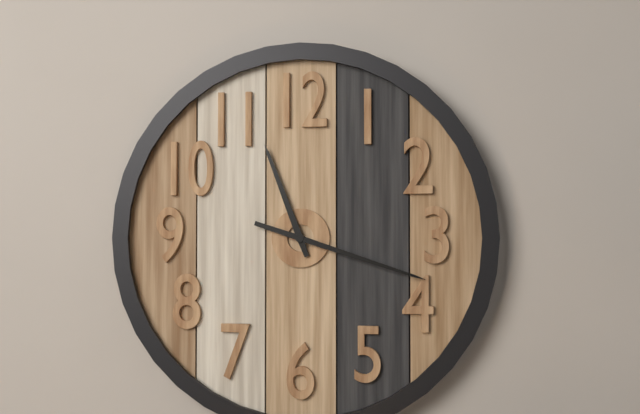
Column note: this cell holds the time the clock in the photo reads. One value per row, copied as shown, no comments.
11:18
